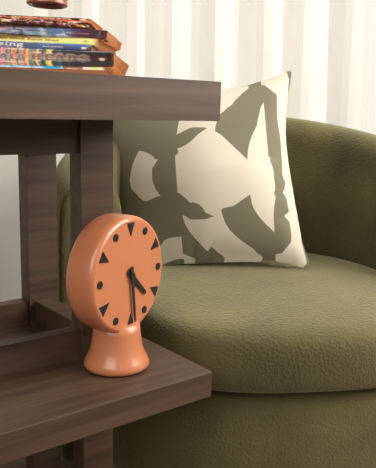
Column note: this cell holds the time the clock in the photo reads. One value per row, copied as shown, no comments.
4:29
